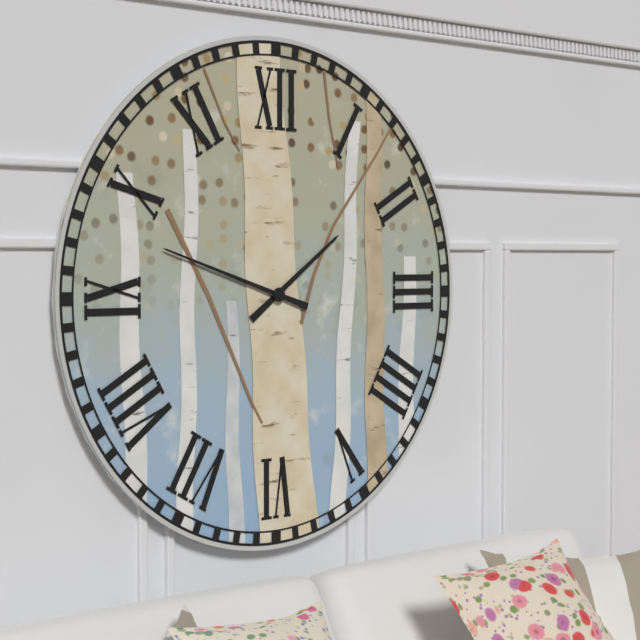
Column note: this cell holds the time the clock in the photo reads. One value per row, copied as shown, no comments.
1:48
